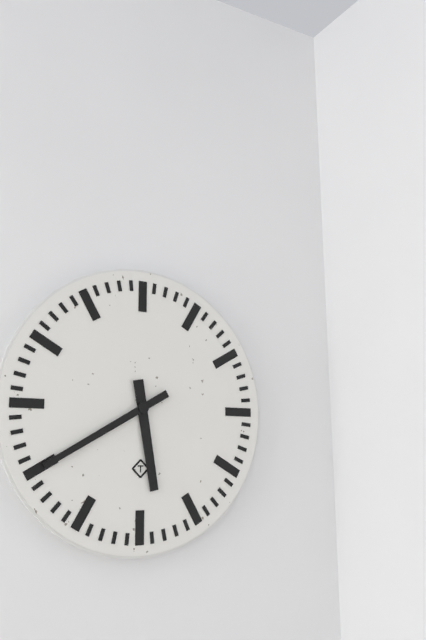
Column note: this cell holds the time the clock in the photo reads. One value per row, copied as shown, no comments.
5:40
